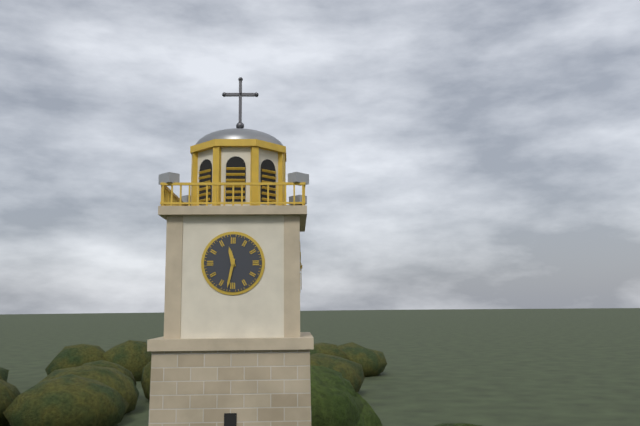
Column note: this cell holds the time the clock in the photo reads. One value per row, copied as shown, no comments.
11:32
